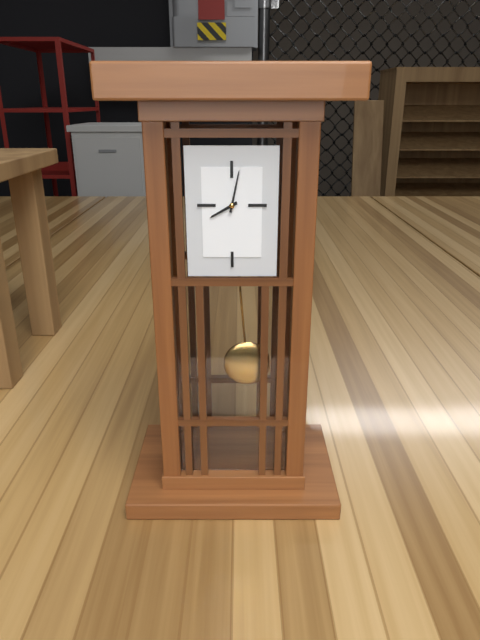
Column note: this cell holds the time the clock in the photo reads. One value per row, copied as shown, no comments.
8:02
